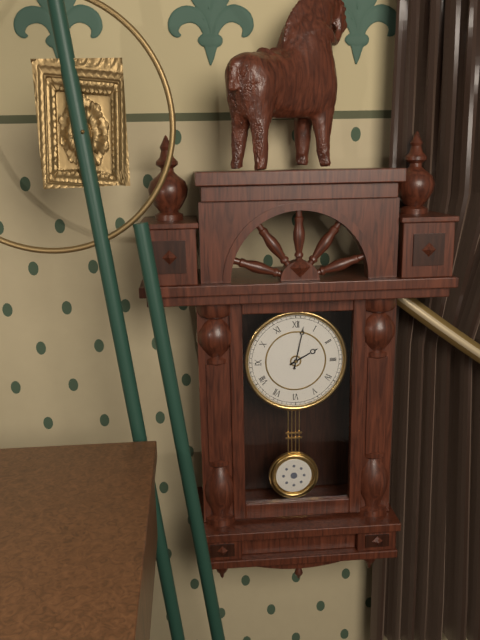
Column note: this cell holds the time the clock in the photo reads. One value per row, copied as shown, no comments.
2:02
